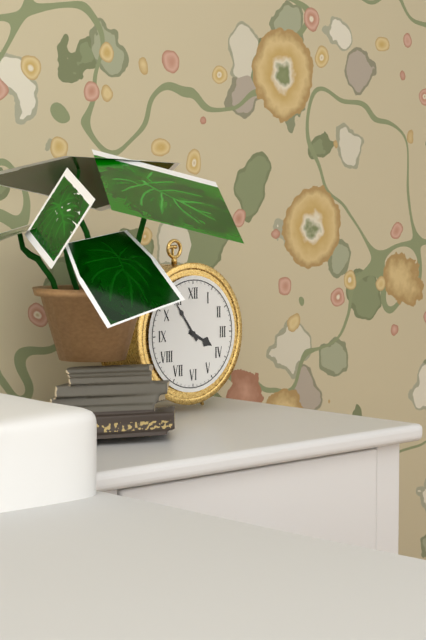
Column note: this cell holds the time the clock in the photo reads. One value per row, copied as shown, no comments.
3:54
